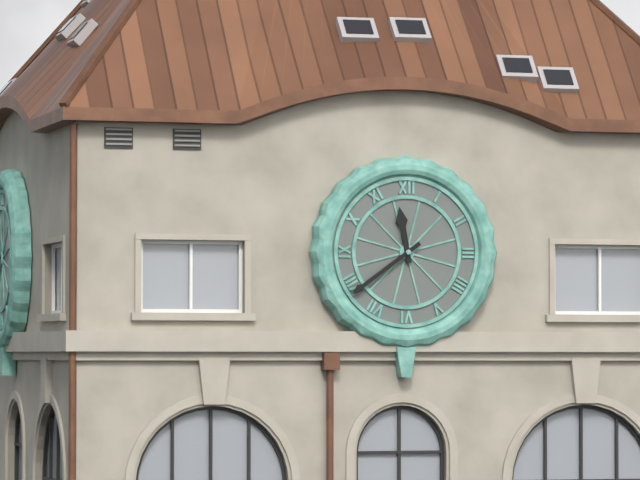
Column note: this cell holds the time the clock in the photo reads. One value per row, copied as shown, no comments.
11:39
